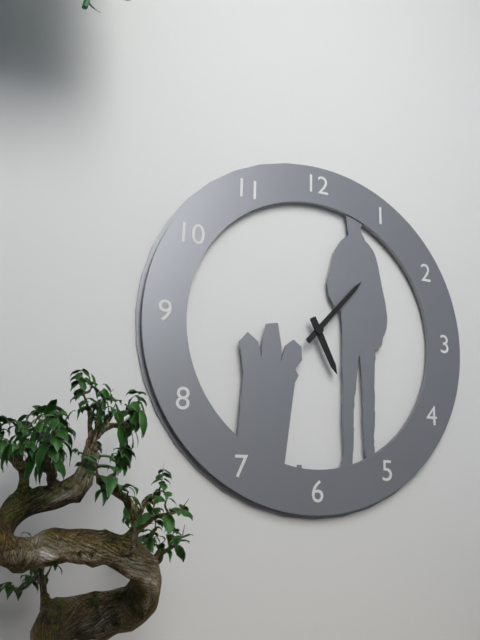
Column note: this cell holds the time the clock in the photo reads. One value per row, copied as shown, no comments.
5:07
